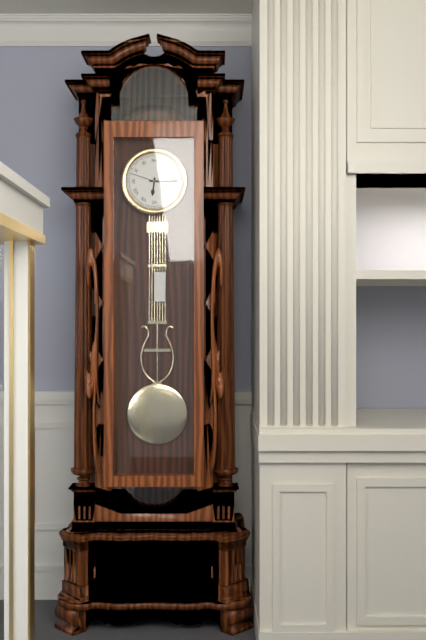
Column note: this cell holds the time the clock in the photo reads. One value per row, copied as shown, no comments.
6:15
